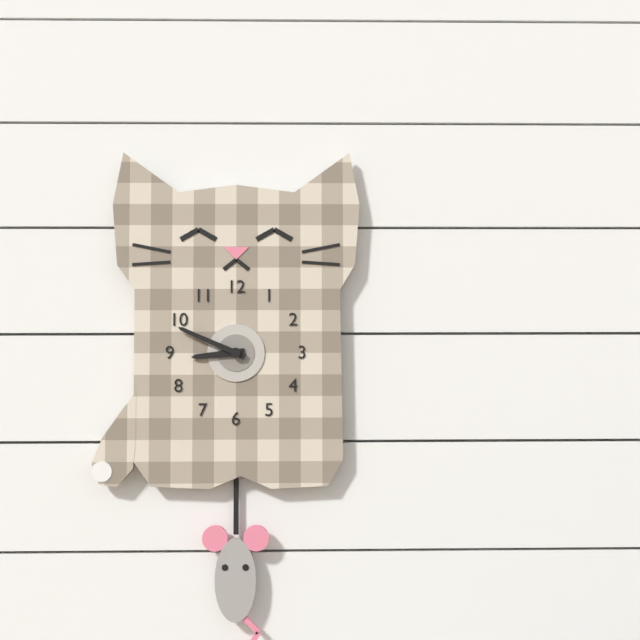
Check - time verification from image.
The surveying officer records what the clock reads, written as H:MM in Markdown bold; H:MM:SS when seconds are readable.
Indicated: **8:49**
